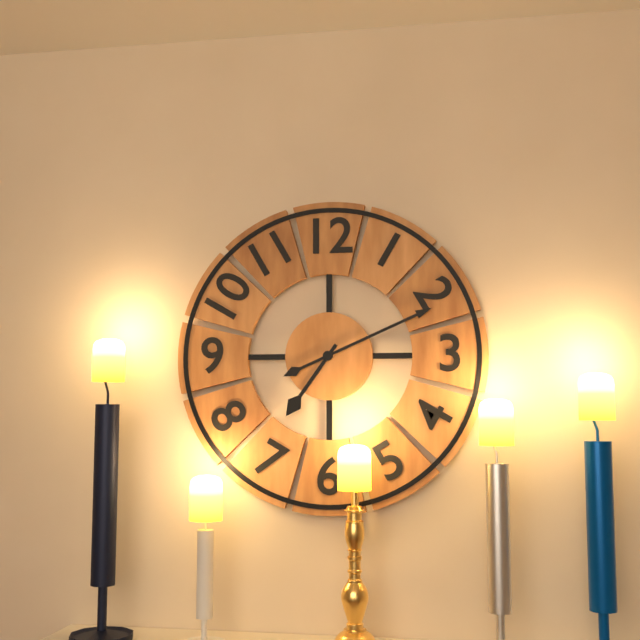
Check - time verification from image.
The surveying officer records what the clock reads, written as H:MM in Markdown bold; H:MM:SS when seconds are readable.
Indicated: **7:11**
